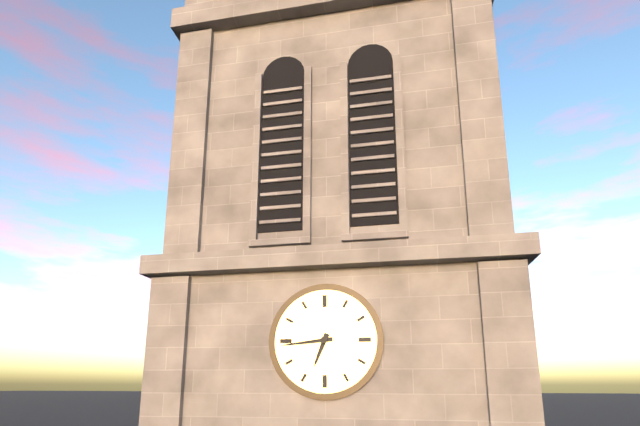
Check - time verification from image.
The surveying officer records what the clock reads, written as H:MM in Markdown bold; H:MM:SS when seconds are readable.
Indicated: **6:44**
